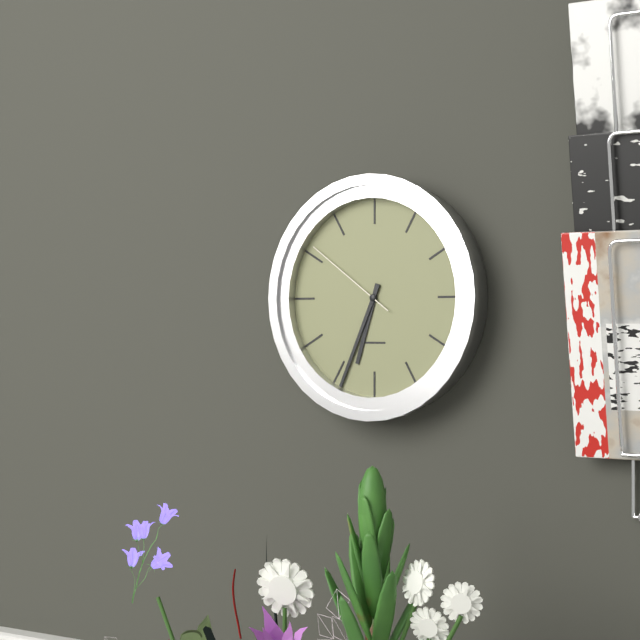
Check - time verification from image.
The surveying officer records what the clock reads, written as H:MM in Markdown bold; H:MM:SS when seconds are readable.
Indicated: **6:34:51**
